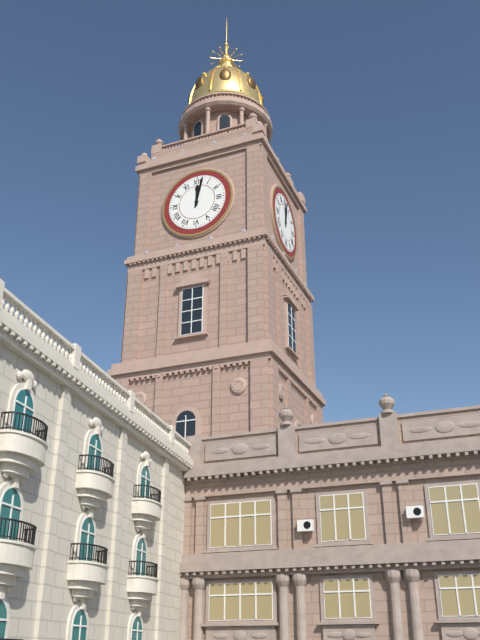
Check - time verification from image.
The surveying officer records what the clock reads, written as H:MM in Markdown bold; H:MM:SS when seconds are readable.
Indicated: **12:02**
